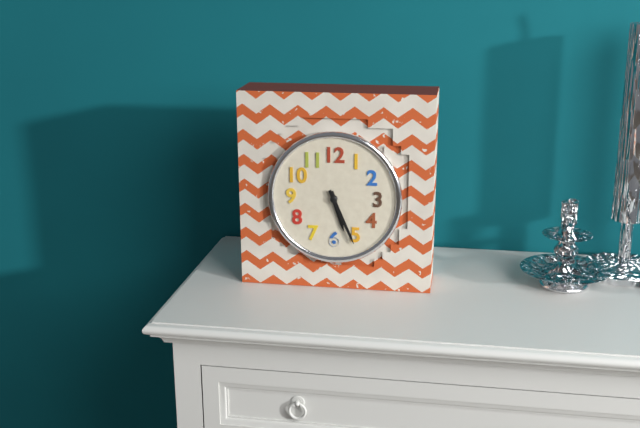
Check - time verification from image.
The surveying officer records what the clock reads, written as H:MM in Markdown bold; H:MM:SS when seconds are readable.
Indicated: **5:26**
